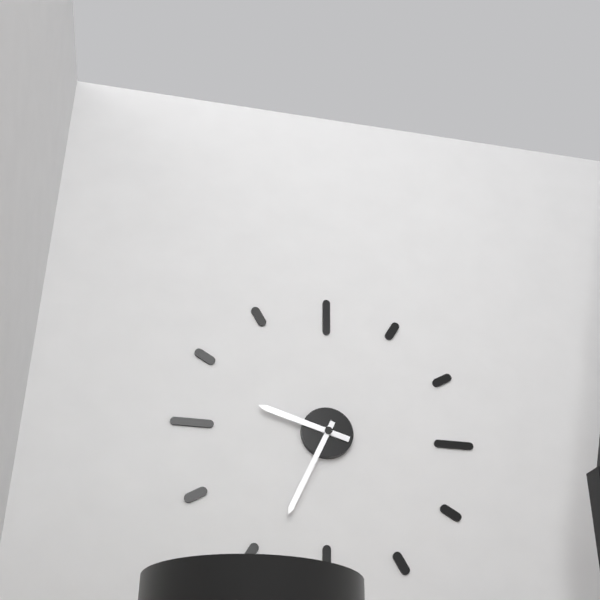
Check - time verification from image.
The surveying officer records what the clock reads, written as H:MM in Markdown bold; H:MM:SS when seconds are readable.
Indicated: **9:34**
